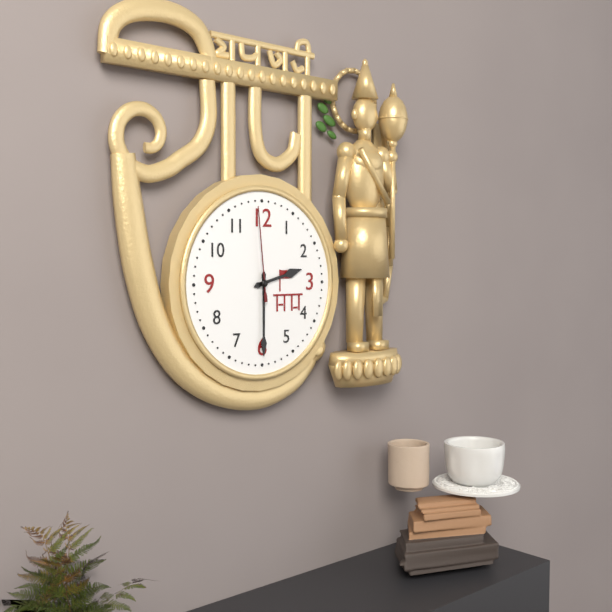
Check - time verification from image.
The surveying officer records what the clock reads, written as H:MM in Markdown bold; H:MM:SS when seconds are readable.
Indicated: **2:30:59**
